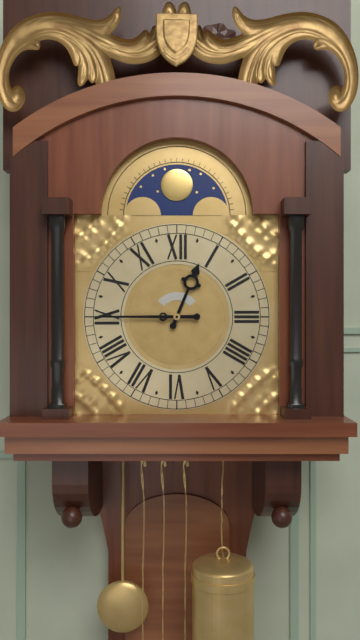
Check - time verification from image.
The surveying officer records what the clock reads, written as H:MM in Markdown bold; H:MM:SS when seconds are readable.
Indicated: **12:45**
